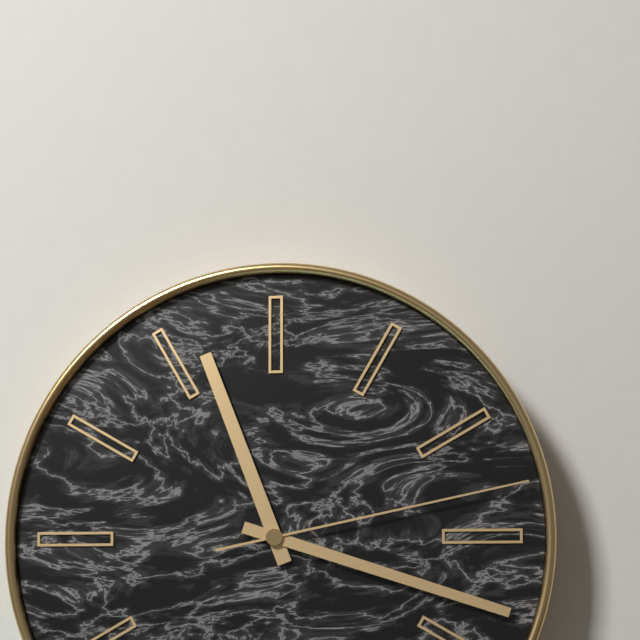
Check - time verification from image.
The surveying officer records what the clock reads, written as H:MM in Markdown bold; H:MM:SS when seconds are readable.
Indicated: **11:18:13**
